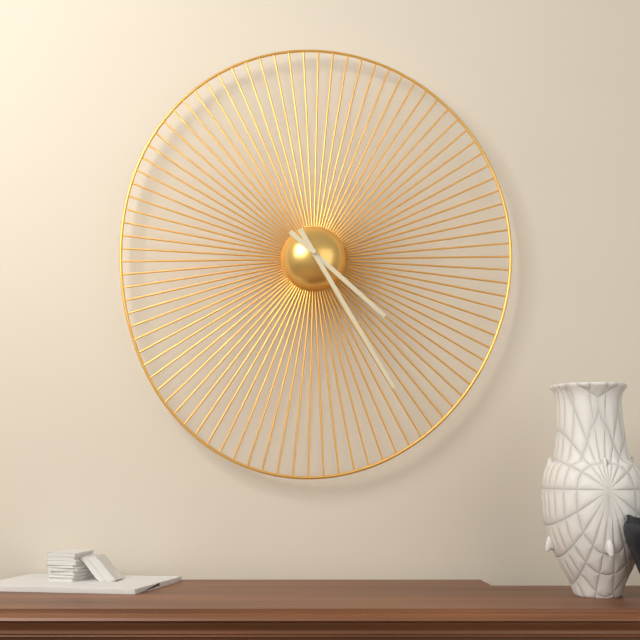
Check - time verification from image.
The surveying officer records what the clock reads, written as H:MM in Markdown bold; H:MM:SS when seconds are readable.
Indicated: **4:25**
